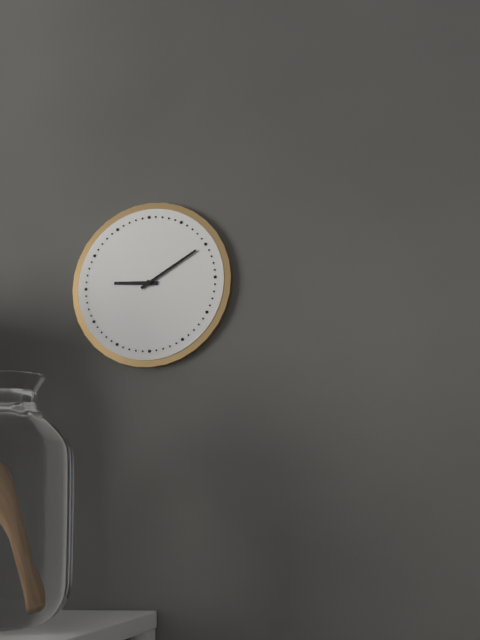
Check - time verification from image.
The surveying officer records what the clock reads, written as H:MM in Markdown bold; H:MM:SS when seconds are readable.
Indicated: **9:10**
